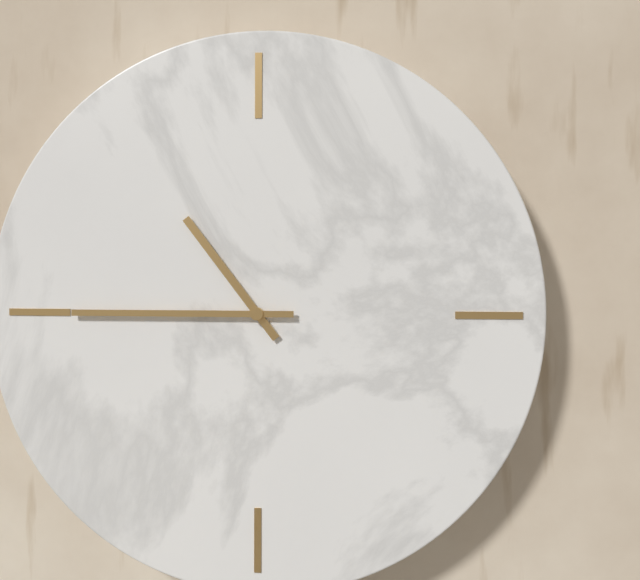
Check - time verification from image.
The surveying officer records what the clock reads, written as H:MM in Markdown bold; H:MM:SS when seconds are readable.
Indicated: **10:45**
